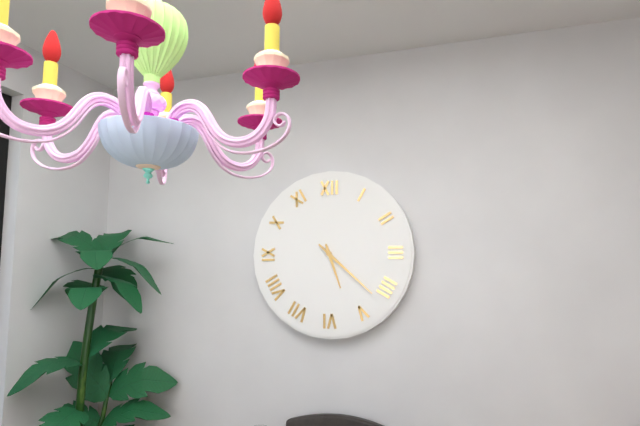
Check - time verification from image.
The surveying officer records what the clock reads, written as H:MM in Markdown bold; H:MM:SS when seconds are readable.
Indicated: **5:22**
